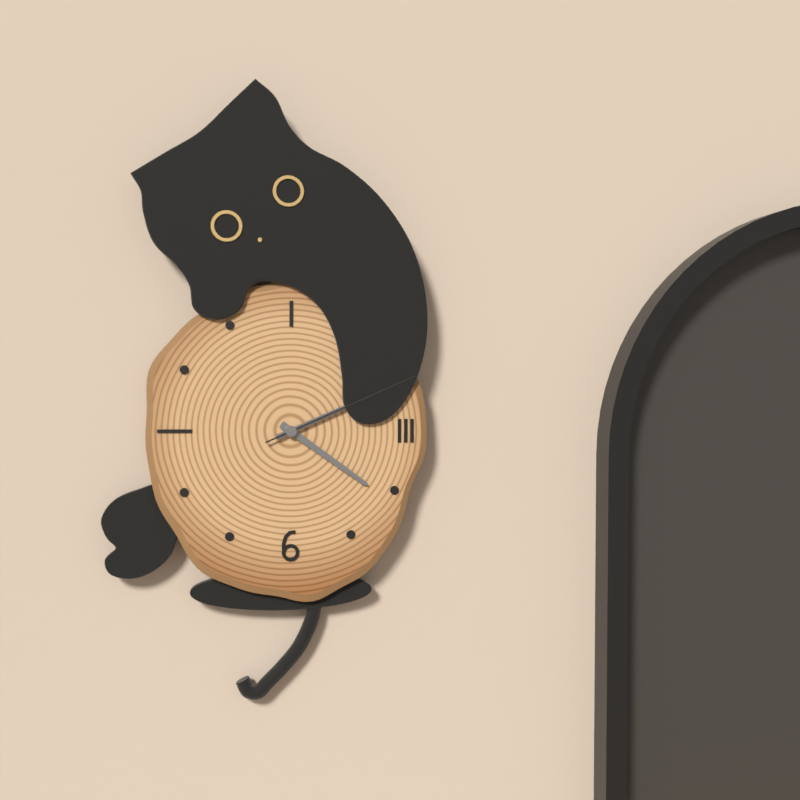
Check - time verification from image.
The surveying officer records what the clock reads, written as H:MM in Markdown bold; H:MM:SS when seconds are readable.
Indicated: **4:11:11**
